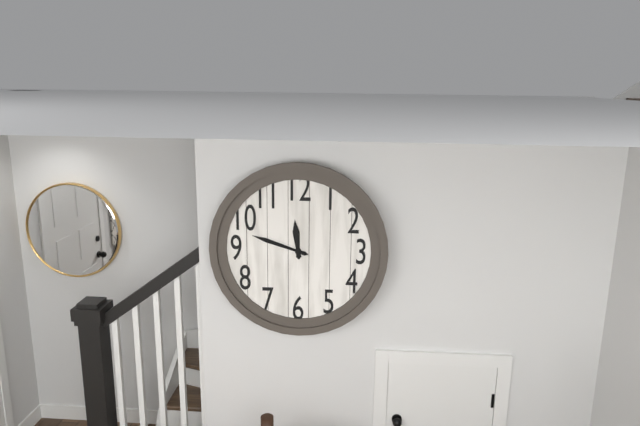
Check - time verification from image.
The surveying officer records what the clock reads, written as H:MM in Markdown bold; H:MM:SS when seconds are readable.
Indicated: **11:48**
